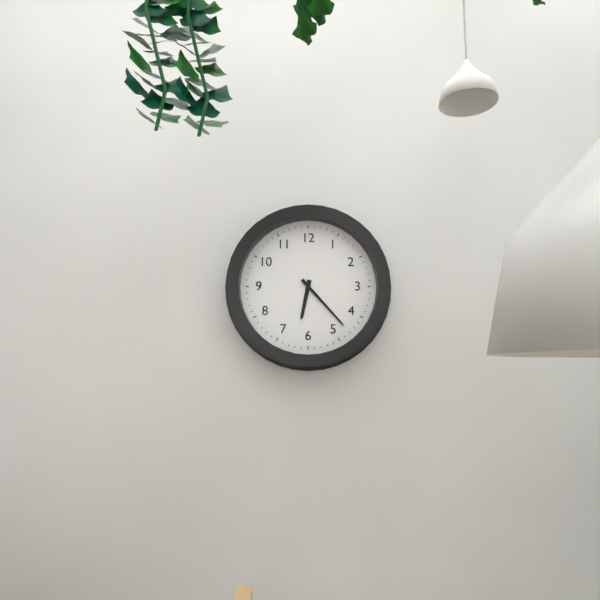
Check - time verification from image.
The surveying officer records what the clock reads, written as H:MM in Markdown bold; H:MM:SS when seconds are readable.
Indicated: **6:23**
